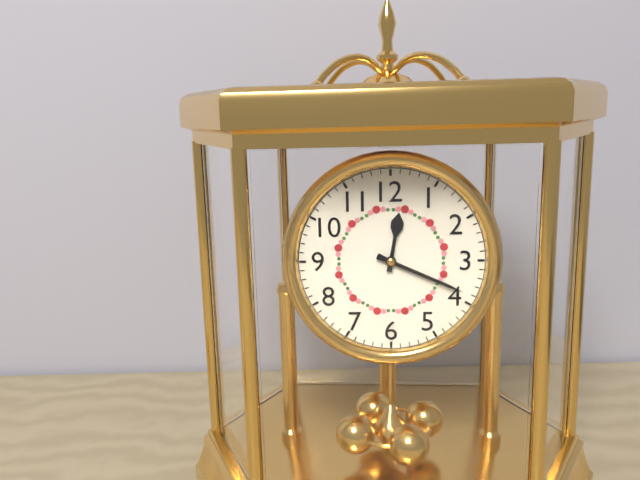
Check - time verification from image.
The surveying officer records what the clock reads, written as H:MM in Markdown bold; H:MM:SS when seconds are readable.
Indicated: **12:19**
